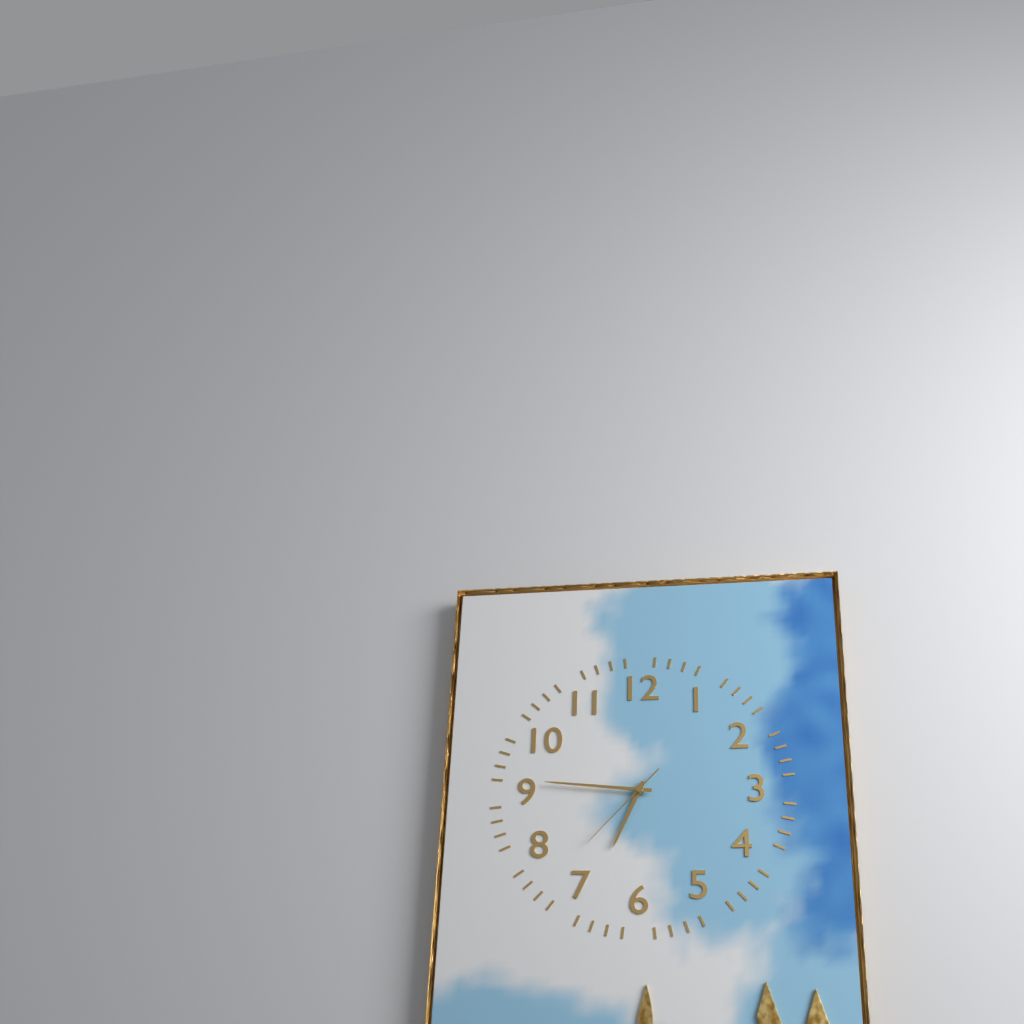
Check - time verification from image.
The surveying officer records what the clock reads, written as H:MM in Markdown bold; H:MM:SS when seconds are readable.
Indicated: **6:46:37**
